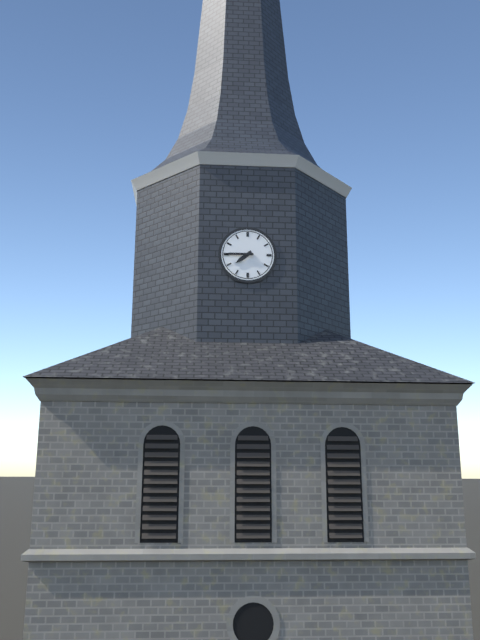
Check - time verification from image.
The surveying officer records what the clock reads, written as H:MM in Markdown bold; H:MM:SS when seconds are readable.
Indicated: **7:45**
